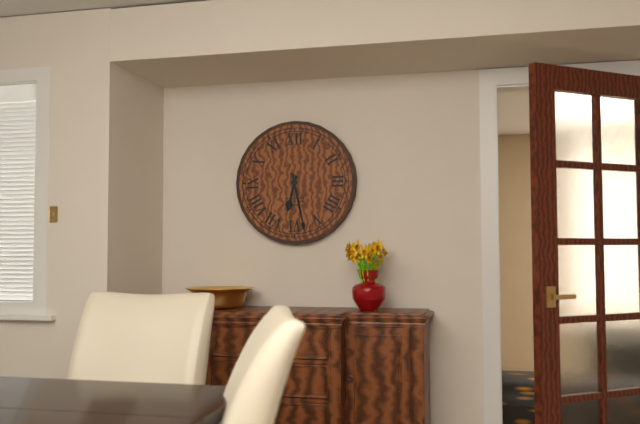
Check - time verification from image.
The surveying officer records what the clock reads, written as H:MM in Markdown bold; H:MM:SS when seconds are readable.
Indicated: **6:28**
